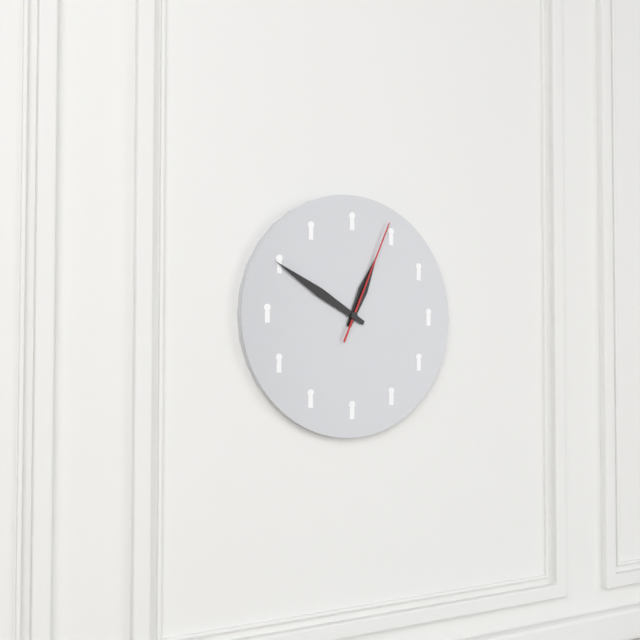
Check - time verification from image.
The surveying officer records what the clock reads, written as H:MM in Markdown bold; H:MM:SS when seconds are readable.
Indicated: **12:50:04**
